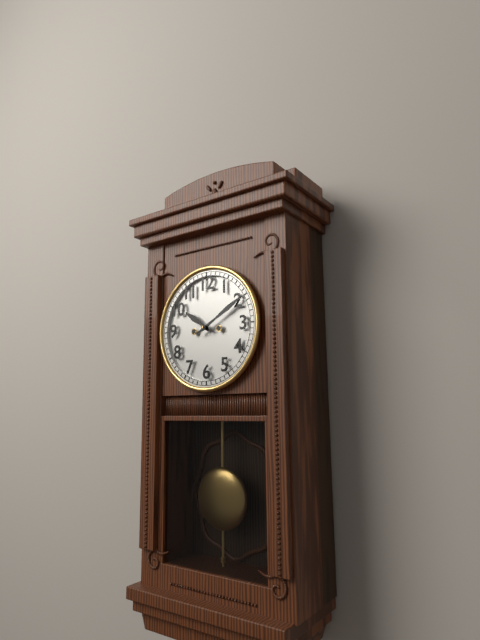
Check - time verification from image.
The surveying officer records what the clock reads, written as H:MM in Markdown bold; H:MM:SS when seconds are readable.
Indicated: **10:10**
